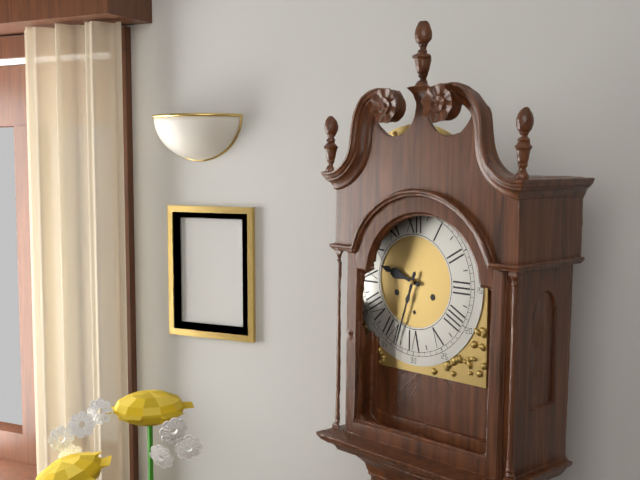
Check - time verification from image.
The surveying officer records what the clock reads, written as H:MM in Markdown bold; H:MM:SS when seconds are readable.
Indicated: **9:33**
